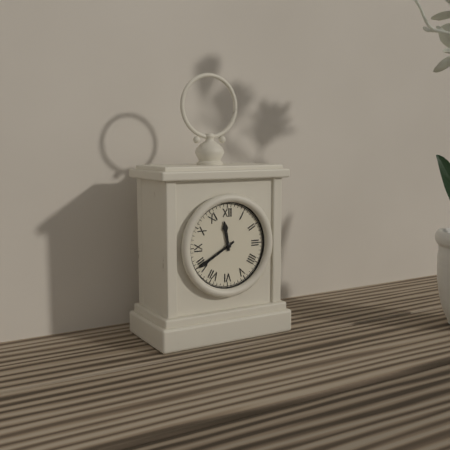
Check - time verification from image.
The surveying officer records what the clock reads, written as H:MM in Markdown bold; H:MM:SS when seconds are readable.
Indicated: **11:40**
